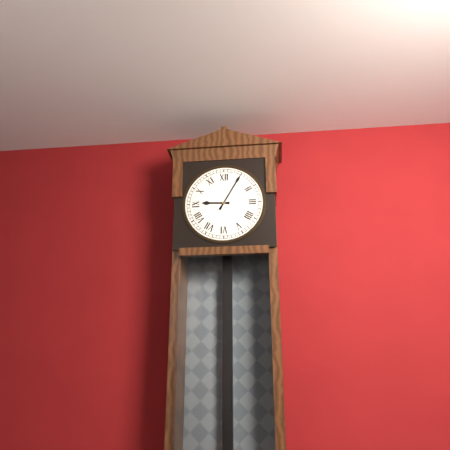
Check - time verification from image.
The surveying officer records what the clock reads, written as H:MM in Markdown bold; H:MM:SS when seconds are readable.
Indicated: **9:05**
